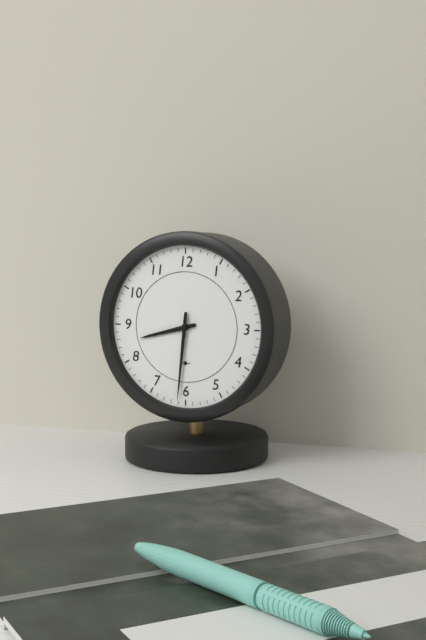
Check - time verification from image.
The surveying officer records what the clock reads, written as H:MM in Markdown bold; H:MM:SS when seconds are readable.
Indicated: **8:31**
